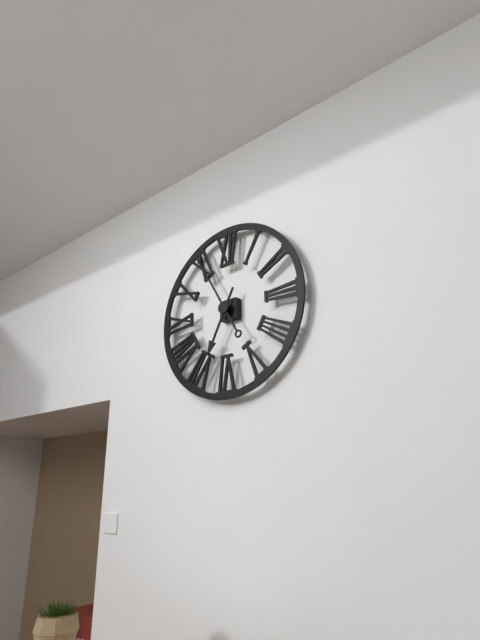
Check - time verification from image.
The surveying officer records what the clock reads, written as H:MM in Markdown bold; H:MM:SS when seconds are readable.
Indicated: **6:55**
